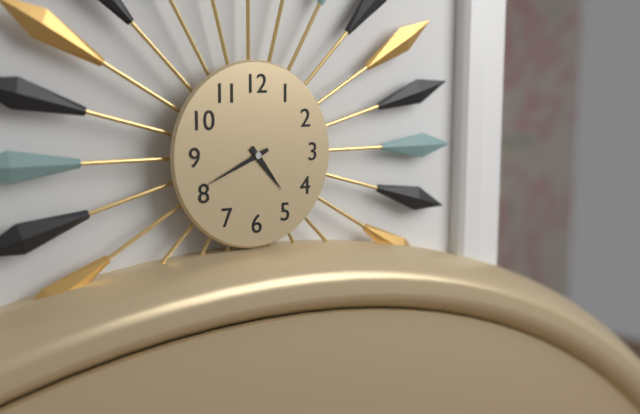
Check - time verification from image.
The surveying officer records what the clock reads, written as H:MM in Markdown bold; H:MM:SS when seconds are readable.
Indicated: **4:41**
